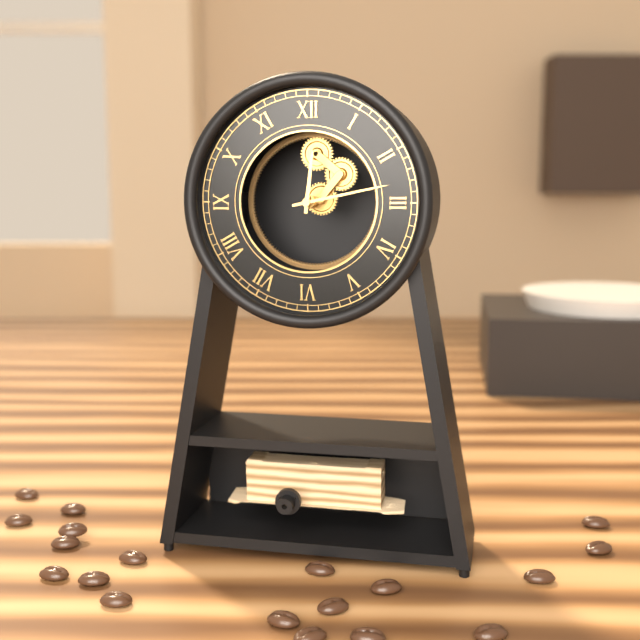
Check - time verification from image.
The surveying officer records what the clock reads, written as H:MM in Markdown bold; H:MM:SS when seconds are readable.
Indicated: **12:13**
